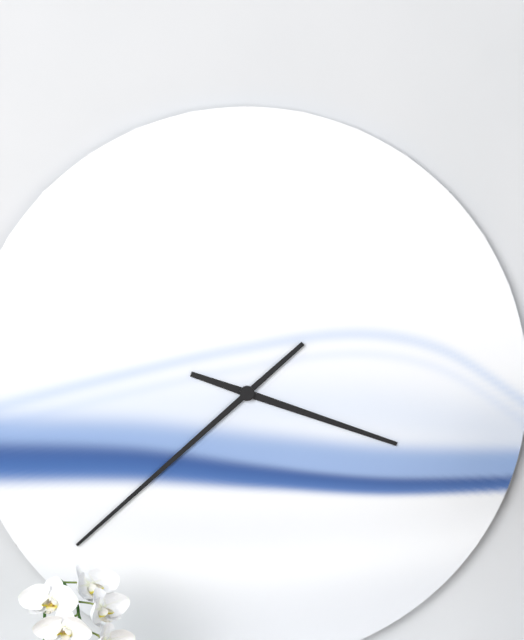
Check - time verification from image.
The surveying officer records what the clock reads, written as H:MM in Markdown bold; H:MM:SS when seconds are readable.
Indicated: **3:38**
